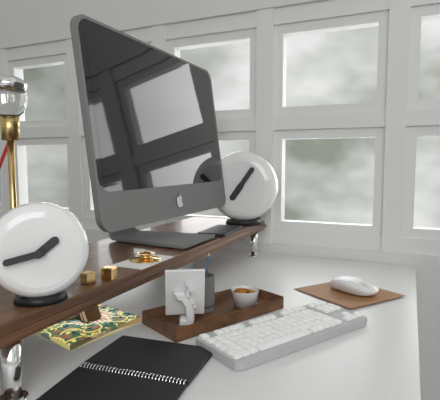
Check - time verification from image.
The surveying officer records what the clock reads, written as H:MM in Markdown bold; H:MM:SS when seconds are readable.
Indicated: **1:43**
